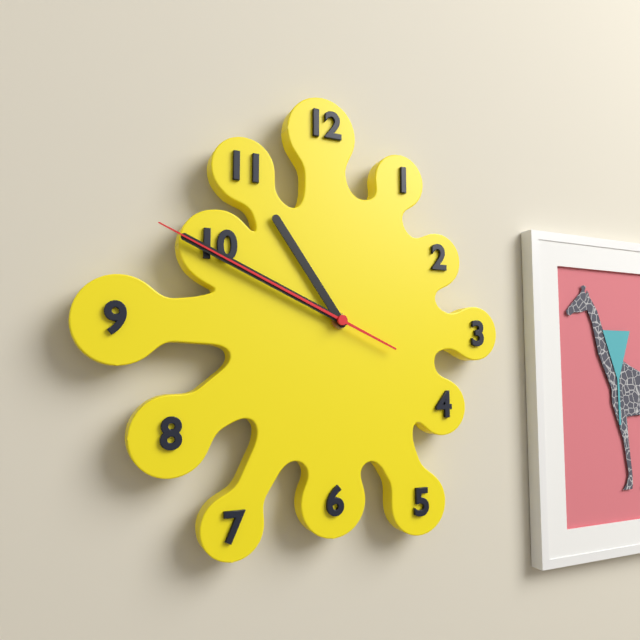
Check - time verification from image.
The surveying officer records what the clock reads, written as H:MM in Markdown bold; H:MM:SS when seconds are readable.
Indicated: **10:49:49**
